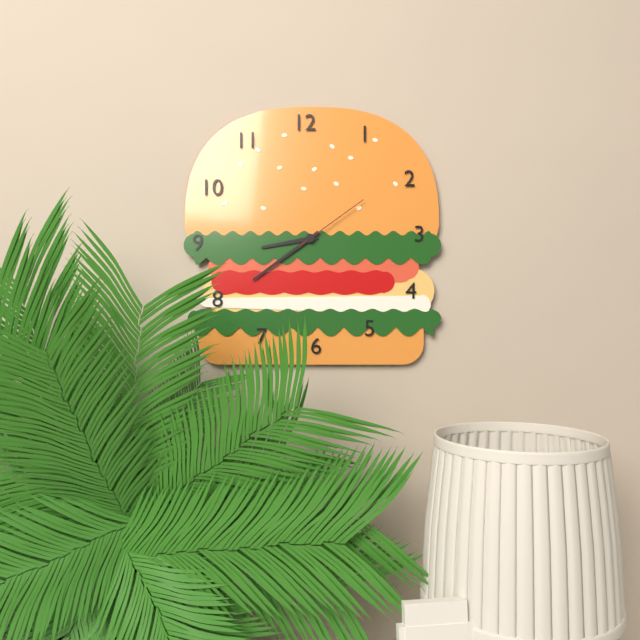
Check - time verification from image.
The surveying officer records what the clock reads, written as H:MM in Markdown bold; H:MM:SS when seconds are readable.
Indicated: **8:39:09**
